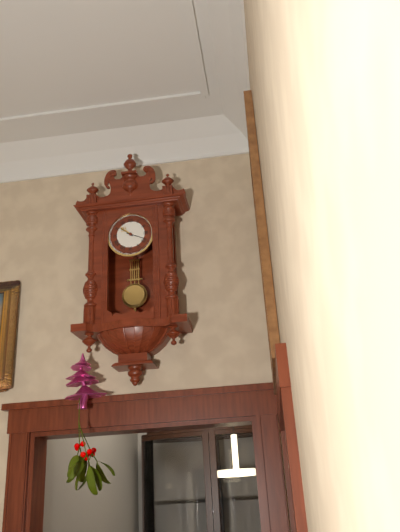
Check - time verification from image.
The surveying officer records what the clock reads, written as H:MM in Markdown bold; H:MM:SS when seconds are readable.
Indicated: **10:19**
